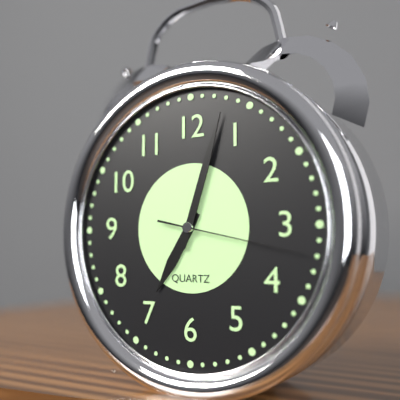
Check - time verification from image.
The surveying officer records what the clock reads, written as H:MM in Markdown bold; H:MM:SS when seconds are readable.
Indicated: **7:03:17**
